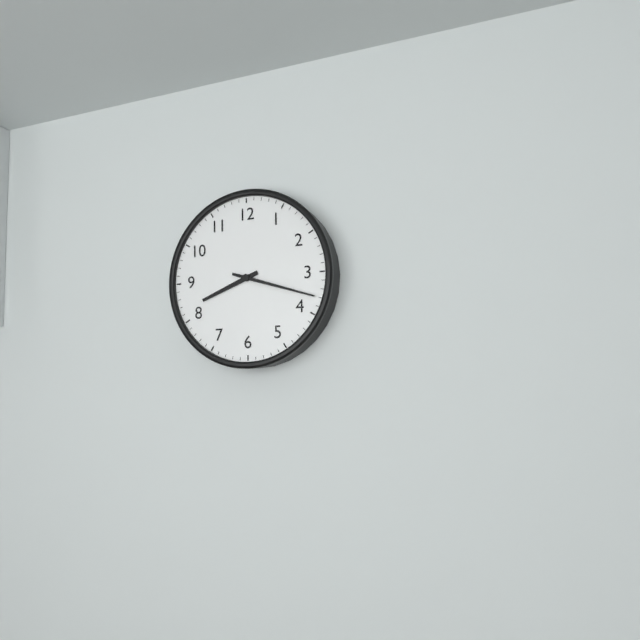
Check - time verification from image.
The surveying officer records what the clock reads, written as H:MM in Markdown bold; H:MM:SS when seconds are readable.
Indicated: **8:18**
